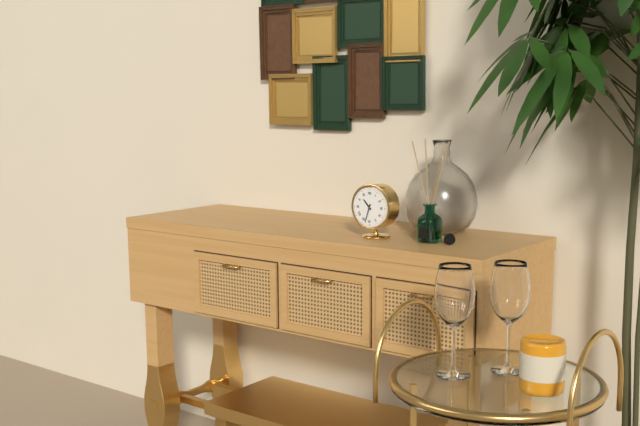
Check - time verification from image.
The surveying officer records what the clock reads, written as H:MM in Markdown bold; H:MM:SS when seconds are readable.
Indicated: **10:33**
